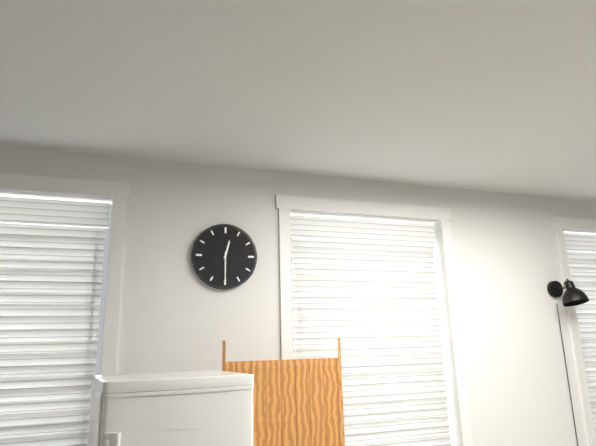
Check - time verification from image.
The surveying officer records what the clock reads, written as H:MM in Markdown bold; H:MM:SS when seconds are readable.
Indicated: **12:30**
